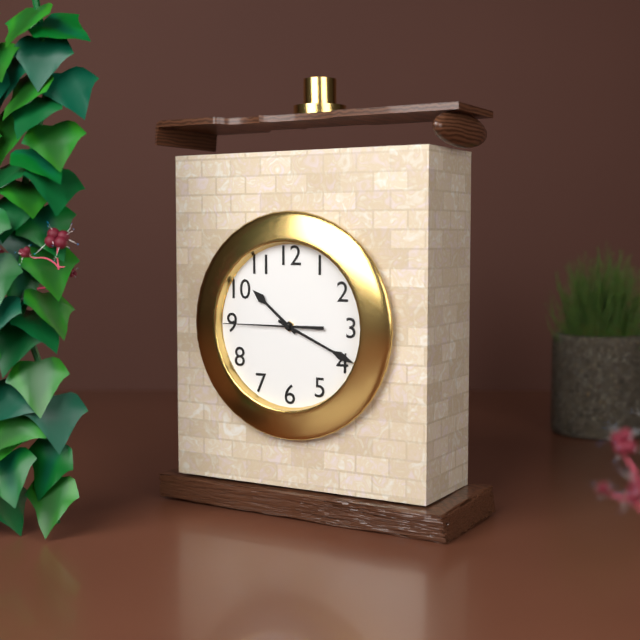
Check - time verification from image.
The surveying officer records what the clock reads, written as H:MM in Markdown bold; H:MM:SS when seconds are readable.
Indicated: **10:19:45**
